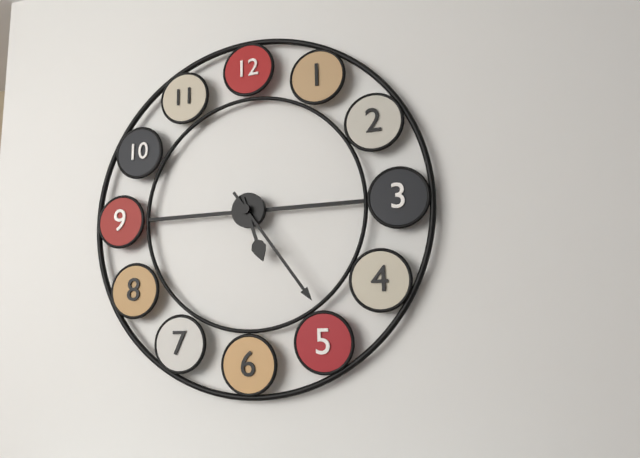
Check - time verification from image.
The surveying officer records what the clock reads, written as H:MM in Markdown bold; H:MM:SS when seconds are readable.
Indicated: **5:24**
